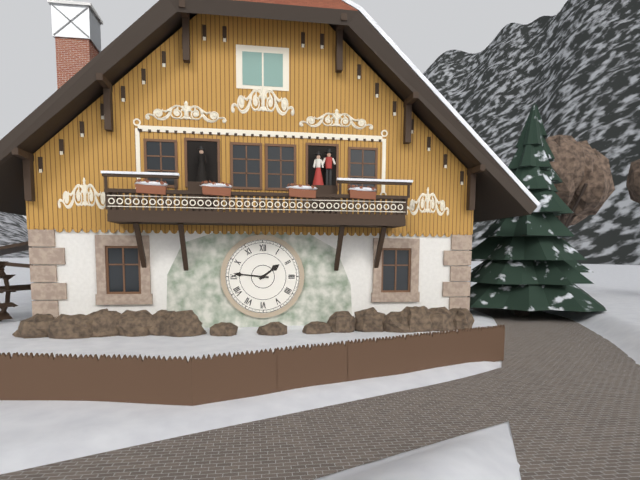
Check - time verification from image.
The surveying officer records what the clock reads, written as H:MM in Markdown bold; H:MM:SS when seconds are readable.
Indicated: **1:46**
